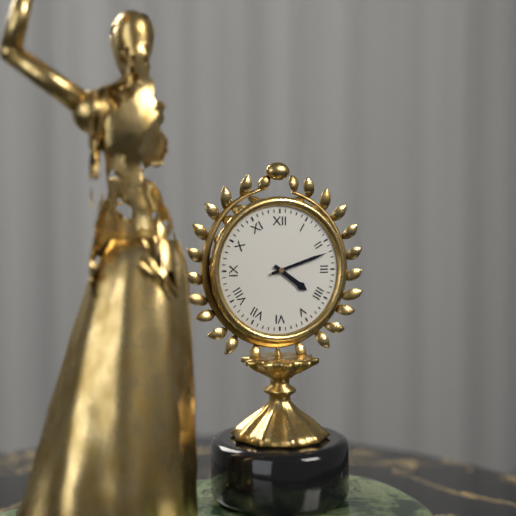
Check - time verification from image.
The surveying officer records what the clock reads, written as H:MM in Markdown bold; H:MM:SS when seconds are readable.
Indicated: **4:12**
